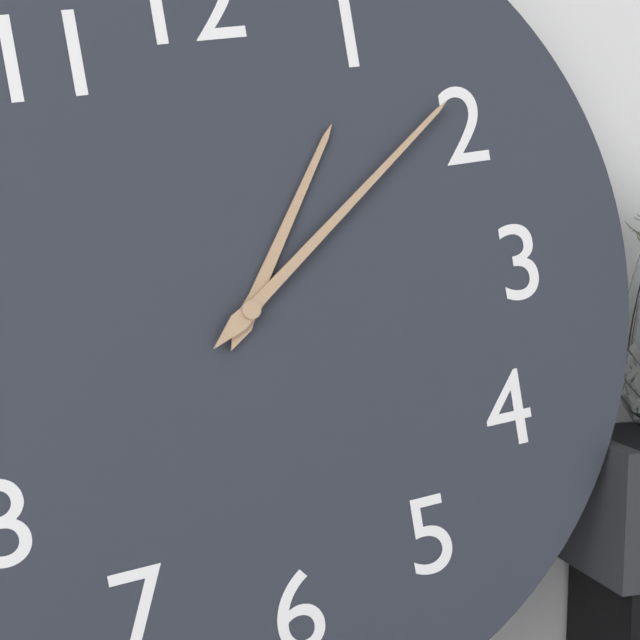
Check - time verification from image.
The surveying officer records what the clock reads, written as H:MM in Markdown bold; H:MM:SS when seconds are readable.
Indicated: **1:09**
